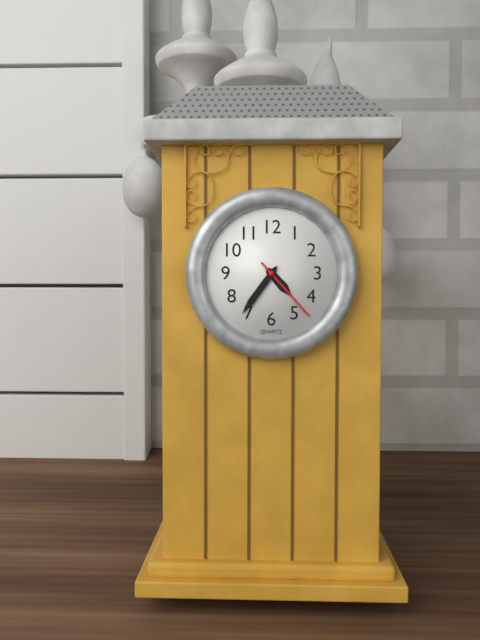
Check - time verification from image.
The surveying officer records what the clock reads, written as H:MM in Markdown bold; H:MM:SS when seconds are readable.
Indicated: **4:36:23**
